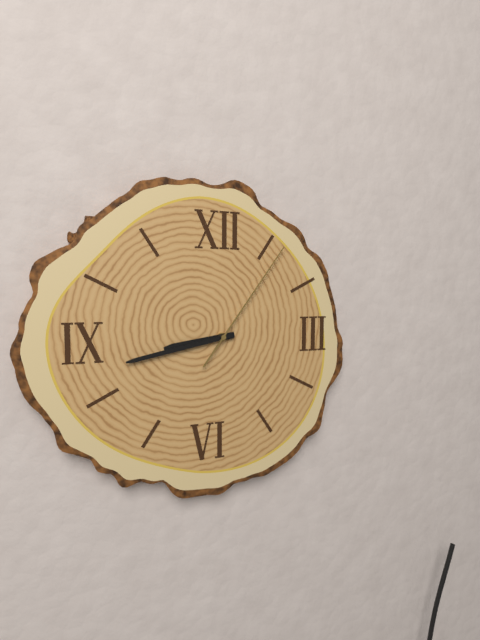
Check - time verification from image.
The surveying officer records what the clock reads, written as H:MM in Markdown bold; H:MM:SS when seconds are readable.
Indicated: **8:43:06**
